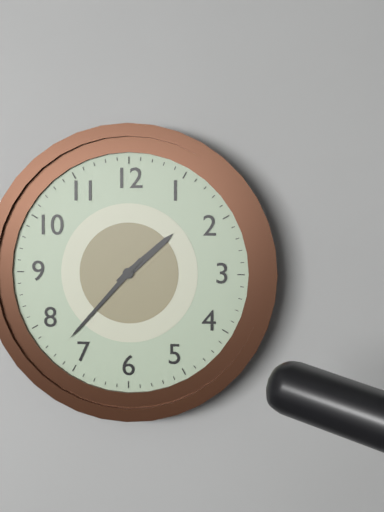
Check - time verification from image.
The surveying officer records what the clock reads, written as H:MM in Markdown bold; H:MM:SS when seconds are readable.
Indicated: **1:37**
